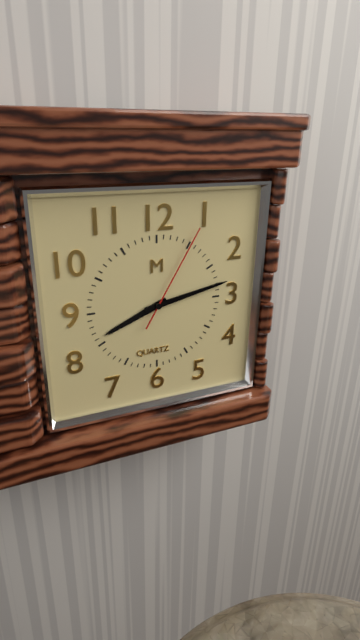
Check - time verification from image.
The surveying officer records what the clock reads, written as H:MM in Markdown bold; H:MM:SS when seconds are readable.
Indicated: **8:13:05**
